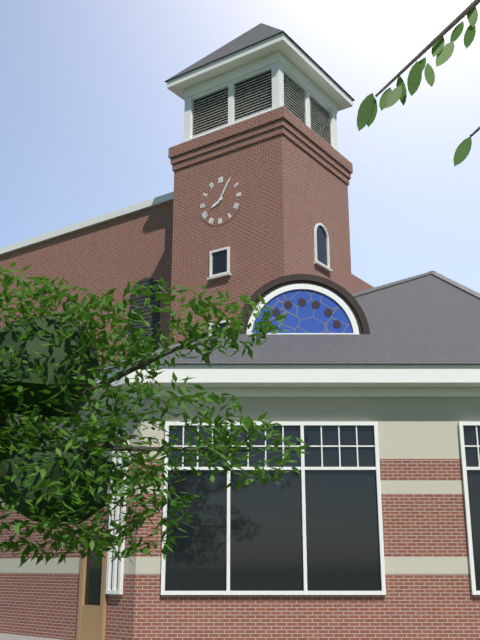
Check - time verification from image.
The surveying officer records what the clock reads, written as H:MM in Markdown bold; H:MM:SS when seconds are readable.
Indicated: **8:05**
